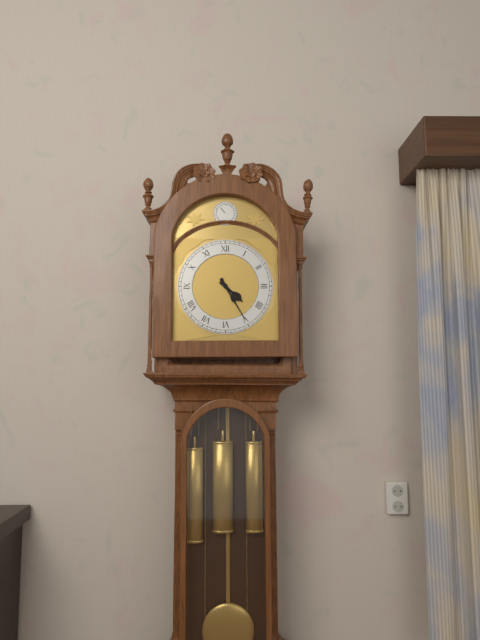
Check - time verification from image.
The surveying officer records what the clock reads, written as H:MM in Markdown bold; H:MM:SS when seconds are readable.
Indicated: **4:25**
